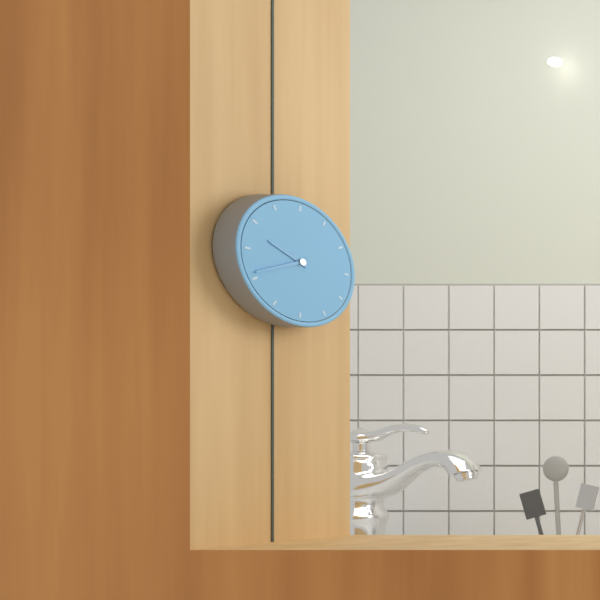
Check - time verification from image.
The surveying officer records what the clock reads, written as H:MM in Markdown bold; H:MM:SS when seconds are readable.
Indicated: **9:41**
